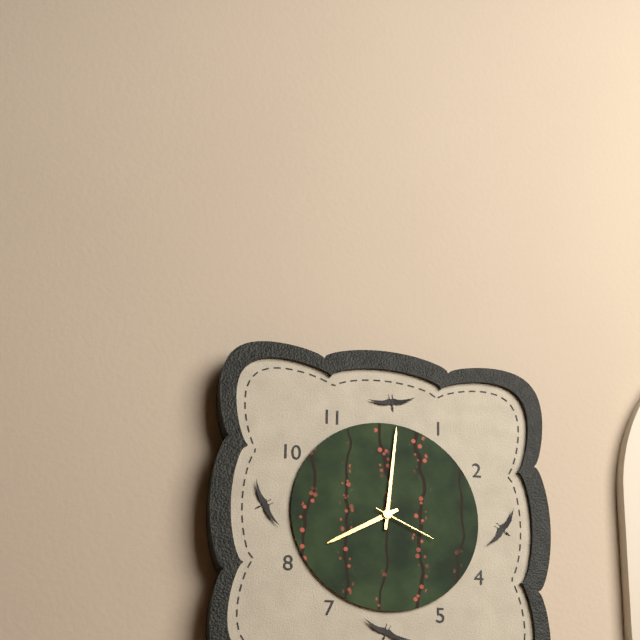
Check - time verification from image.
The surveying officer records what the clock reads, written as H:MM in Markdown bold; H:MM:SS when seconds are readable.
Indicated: **8:01:19**
